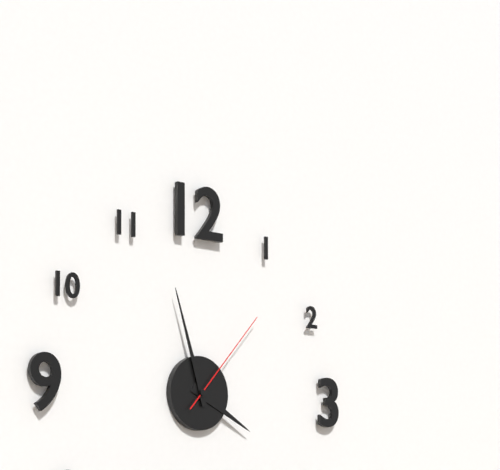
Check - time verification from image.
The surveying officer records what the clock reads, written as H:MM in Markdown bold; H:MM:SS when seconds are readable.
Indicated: **3:57:07**
